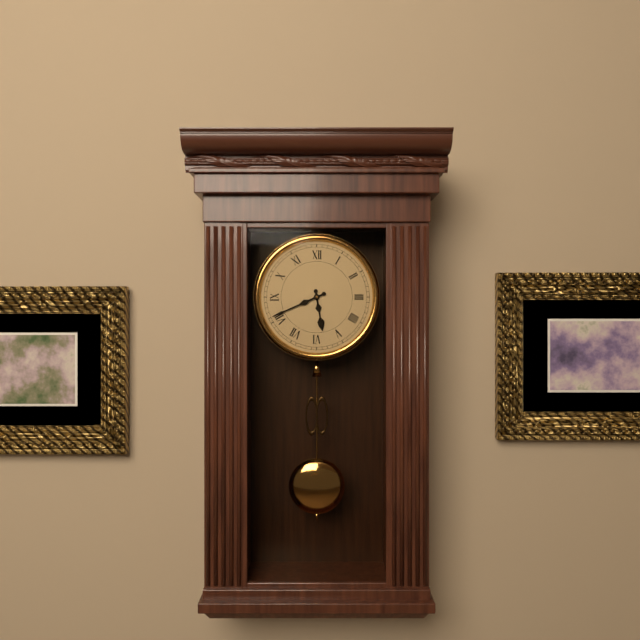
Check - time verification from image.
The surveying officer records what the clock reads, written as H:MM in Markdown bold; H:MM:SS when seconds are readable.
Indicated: **5:41**
